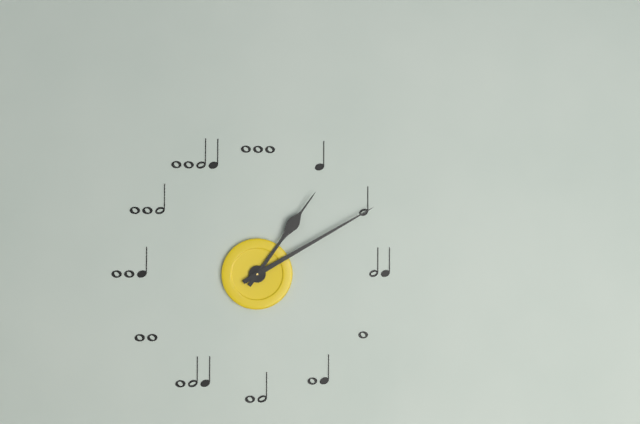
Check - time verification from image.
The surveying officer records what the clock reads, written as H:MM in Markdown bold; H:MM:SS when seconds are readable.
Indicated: **1:10**
